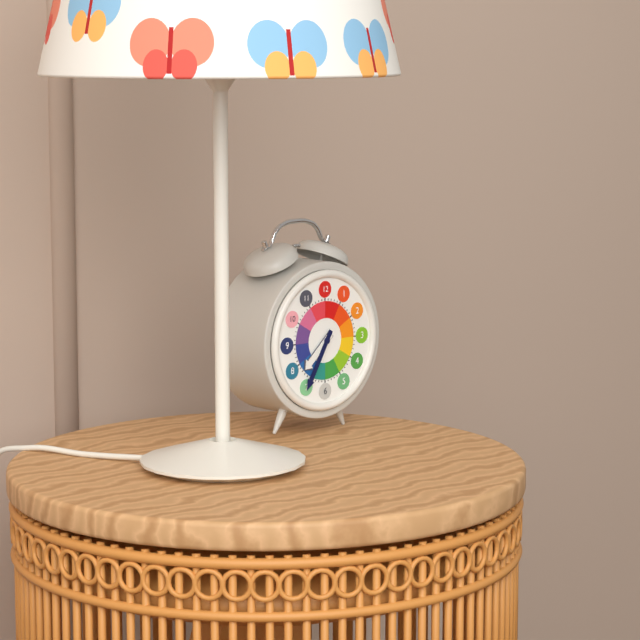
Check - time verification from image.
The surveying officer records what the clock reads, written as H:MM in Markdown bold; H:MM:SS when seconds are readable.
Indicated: **7:35**
